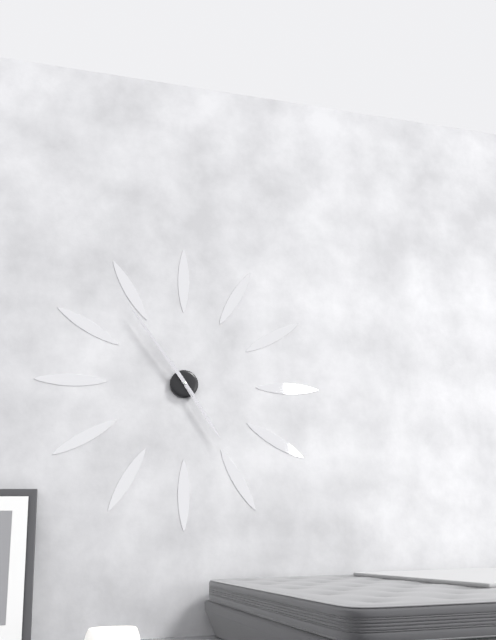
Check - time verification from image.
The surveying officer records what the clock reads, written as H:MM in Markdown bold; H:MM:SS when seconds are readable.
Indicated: **4:54**
